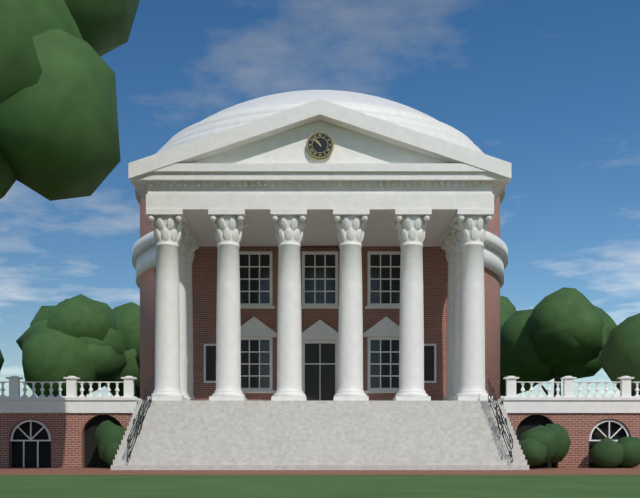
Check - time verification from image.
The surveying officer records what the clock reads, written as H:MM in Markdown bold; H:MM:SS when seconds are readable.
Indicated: **10:52**
